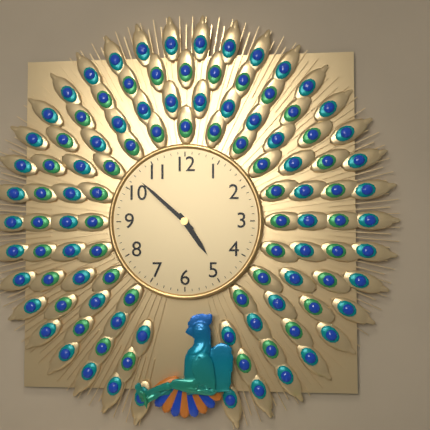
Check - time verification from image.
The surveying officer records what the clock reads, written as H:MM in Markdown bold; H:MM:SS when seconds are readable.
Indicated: **4:52**
